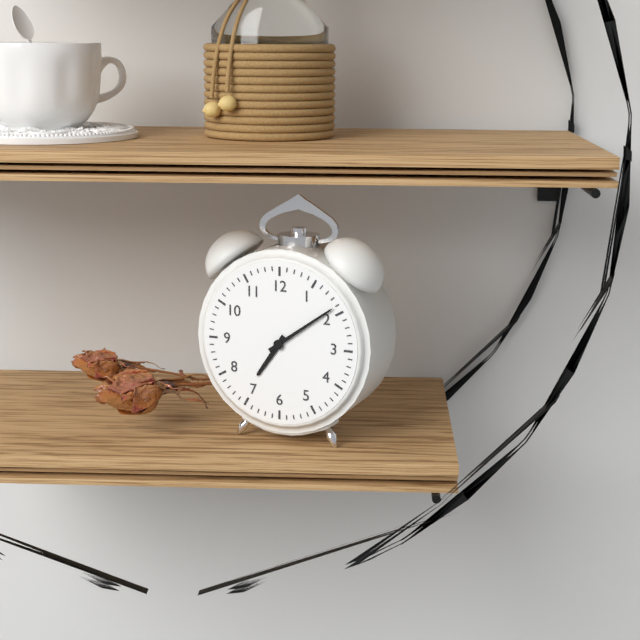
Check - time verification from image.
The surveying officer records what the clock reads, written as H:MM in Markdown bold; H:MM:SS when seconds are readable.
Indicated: **7:09**
